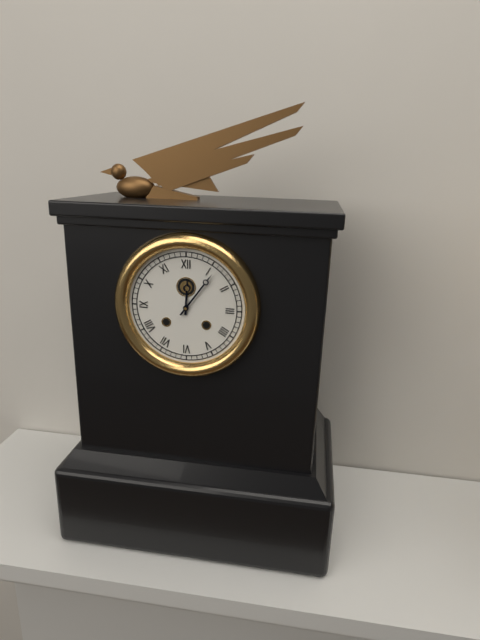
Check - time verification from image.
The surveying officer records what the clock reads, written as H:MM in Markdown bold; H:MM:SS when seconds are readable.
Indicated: **12:06**
